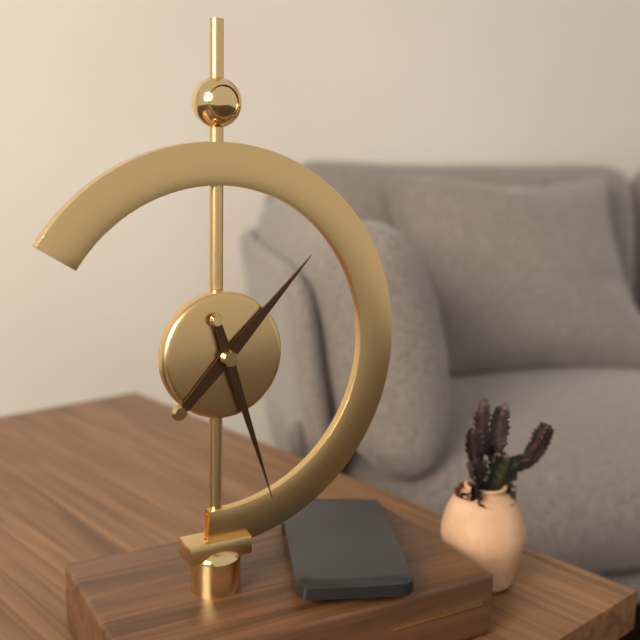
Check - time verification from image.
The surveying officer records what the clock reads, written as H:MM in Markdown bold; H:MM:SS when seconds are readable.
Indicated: **1:27**
